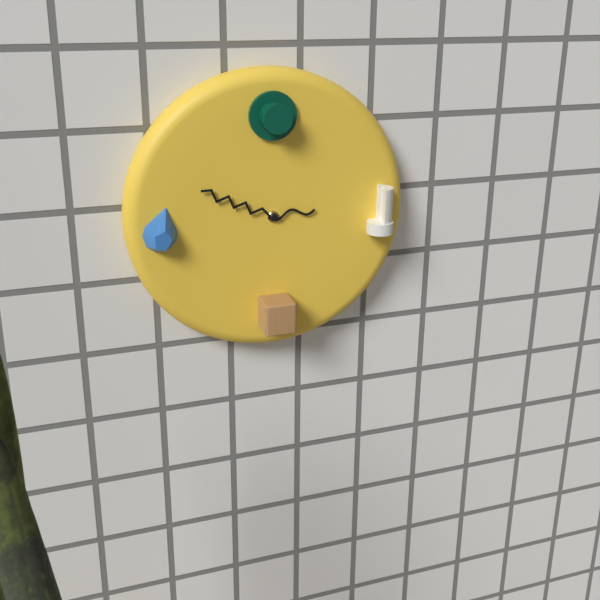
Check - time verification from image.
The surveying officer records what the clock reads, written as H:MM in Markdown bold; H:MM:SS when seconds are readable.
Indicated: **2:49**
